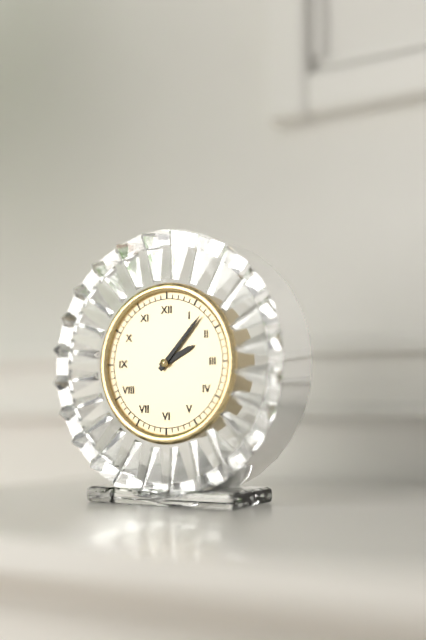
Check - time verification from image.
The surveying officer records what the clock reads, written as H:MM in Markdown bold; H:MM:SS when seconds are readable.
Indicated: **2:07**
